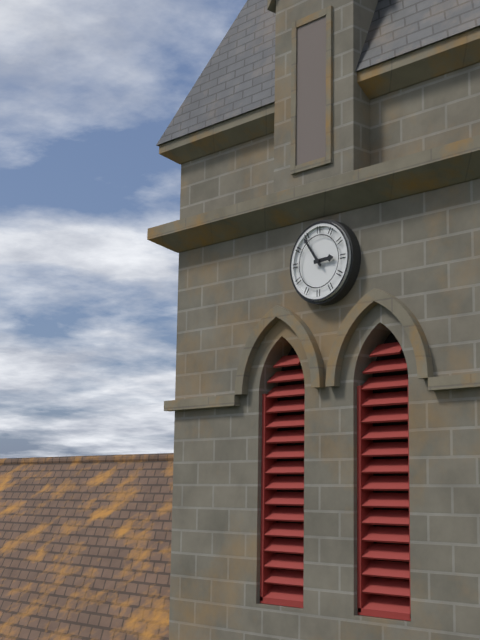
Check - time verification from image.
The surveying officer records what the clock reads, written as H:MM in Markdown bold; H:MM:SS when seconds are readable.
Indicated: **2:54**
